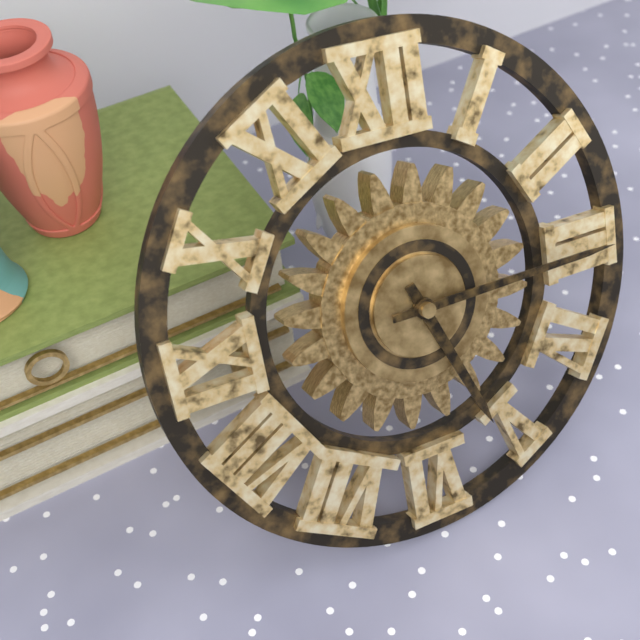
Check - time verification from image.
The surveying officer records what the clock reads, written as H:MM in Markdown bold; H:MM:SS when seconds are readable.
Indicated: **5:15**
